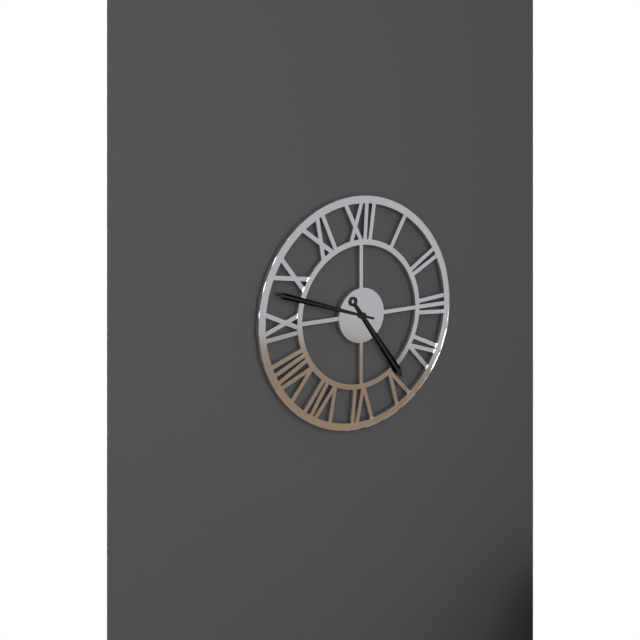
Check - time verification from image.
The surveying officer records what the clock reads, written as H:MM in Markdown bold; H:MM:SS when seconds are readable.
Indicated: **4:48**
